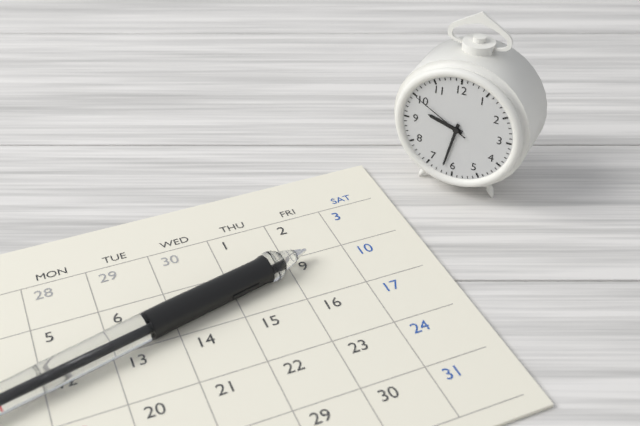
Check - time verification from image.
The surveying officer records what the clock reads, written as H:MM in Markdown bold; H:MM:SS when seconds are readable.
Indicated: **9:32:50**
